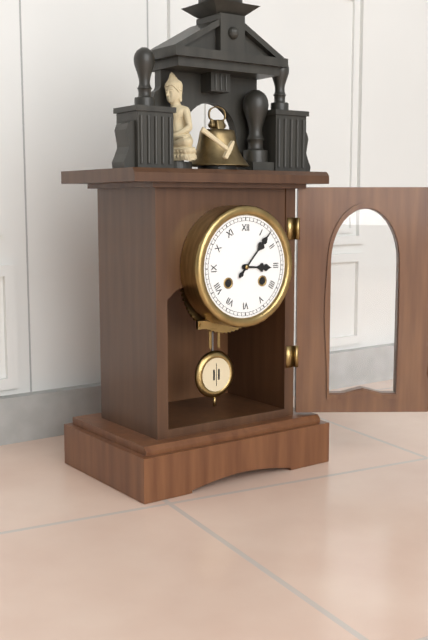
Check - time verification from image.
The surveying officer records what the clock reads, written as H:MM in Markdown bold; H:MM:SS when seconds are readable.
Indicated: **3:07**
